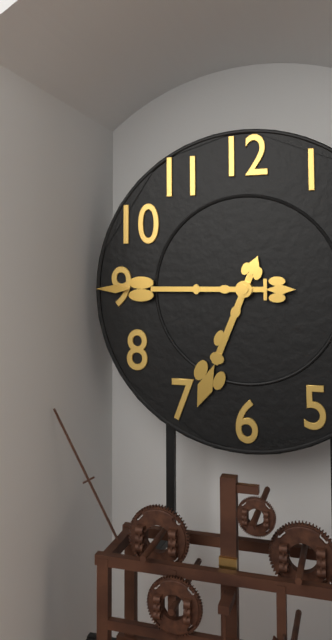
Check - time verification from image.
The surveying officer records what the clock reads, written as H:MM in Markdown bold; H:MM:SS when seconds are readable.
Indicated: **6:45**
